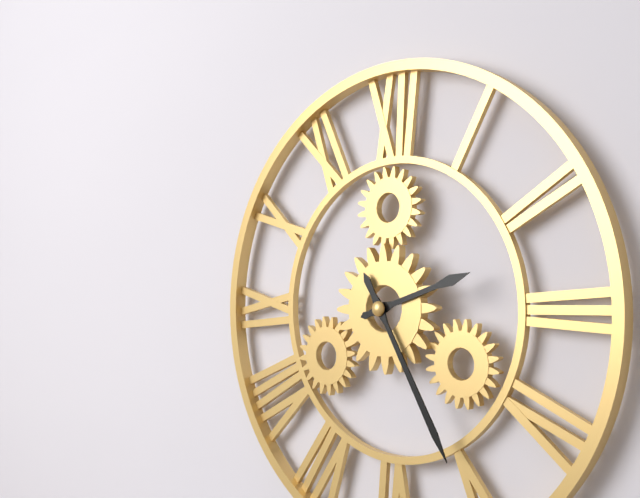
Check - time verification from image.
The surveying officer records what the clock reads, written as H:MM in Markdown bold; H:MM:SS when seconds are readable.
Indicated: **2:25**
